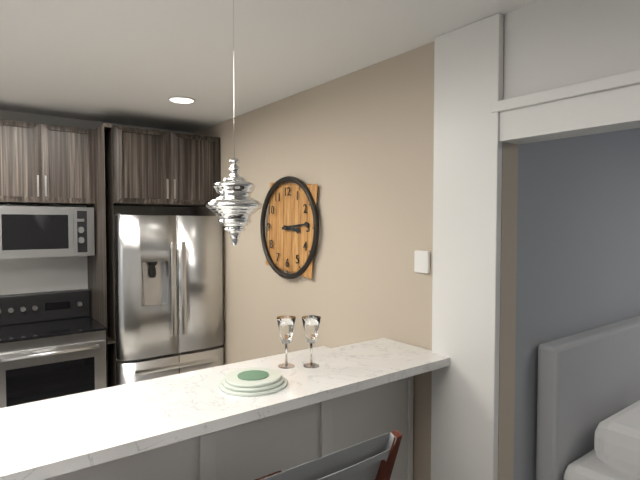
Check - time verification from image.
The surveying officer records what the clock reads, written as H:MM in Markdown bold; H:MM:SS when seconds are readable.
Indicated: **3:14**
